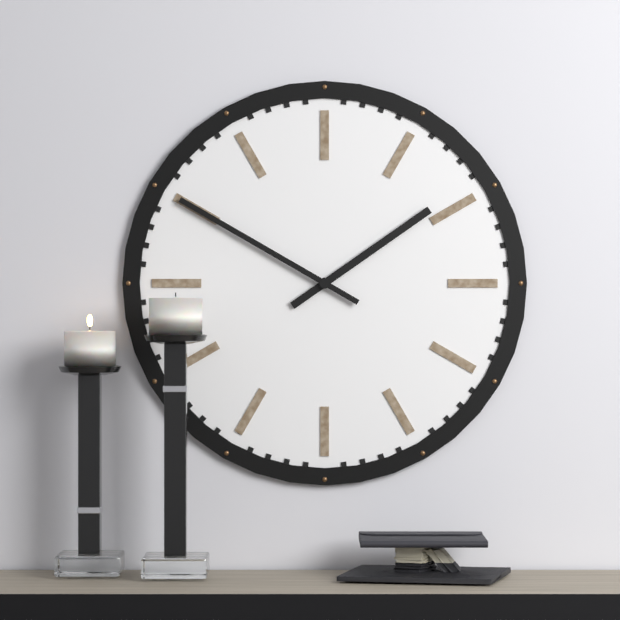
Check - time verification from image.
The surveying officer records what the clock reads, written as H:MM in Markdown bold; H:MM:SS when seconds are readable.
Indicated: **1:50**
